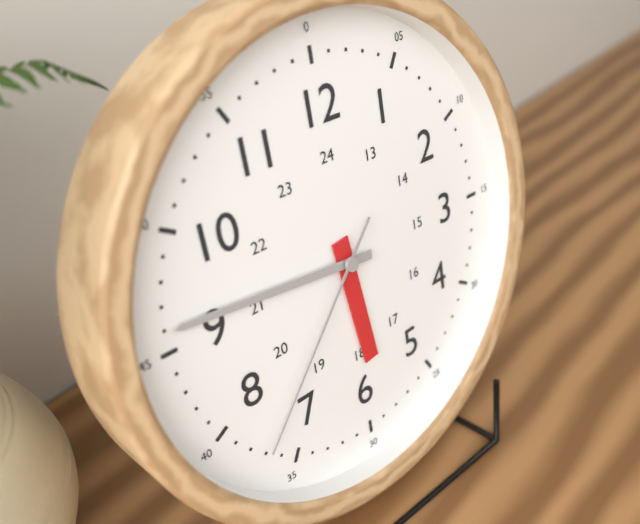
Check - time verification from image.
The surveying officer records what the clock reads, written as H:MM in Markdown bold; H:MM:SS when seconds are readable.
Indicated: **5:46:37**
